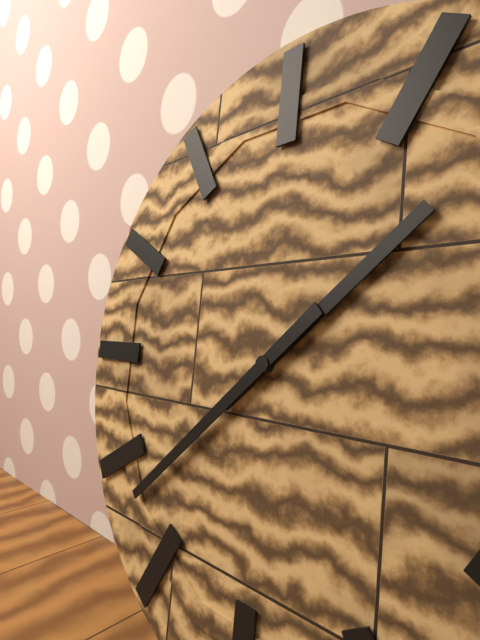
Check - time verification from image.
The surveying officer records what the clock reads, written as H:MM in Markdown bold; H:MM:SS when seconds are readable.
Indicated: **1:38**
